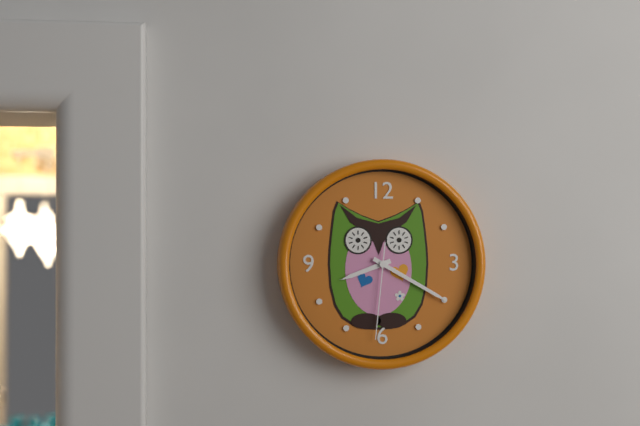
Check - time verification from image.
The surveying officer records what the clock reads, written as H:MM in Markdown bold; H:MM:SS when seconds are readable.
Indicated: **8:20:31**
